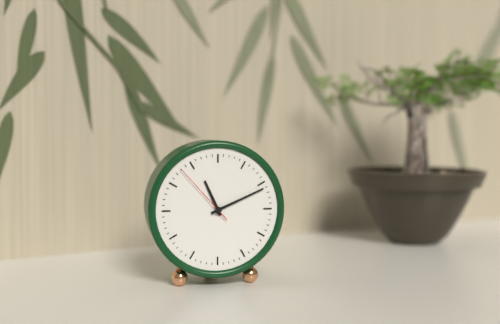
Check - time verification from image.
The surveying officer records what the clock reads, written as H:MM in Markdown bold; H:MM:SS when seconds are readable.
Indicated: **11:11:53**
